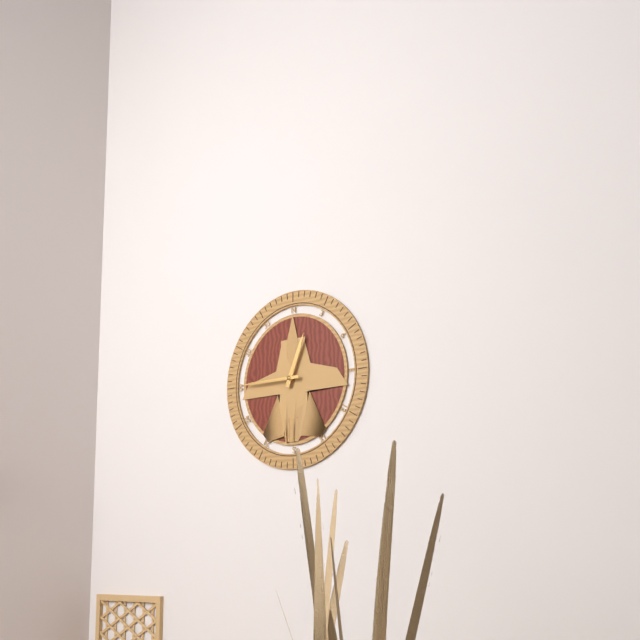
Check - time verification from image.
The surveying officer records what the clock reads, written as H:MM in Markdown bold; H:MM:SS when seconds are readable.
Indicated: **12:45**
